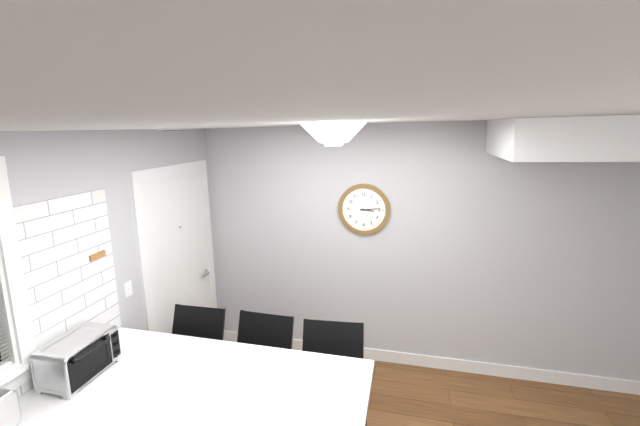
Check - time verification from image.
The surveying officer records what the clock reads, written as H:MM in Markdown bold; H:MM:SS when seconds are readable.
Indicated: **3:14**
